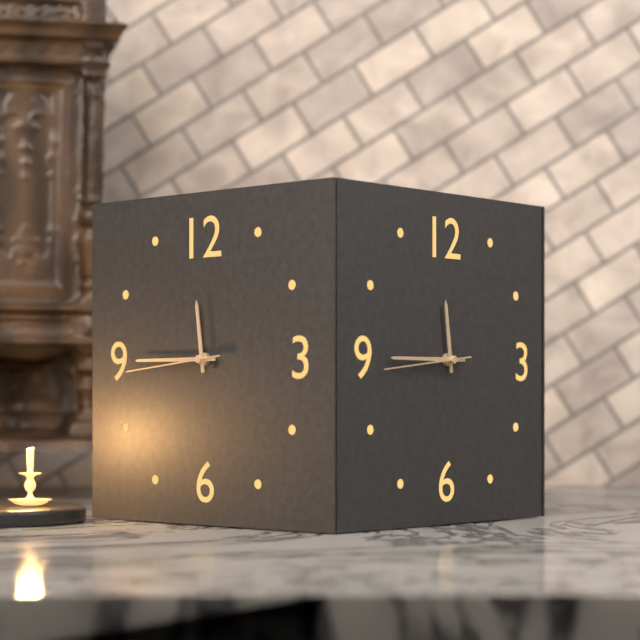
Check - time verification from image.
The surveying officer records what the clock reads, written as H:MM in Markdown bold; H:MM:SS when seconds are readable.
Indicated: **11:45:44**
